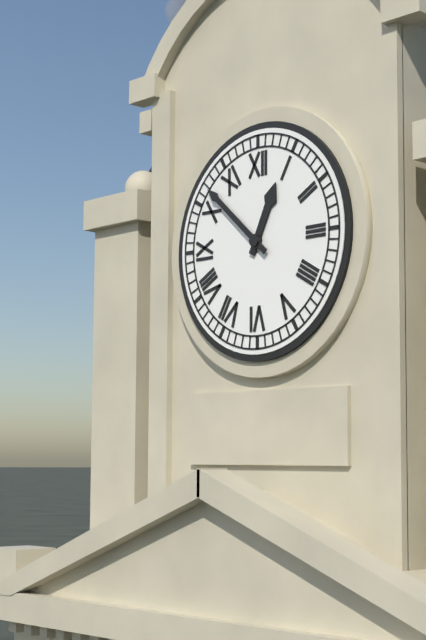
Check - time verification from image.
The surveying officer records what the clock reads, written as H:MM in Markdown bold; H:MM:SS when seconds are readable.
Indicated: **12:52**
